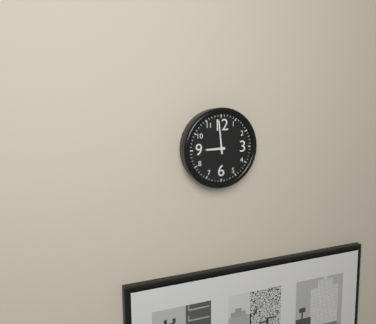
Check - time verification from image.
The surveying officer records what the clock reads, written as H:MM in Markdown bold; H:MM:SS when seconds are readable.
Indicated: **8:59**
